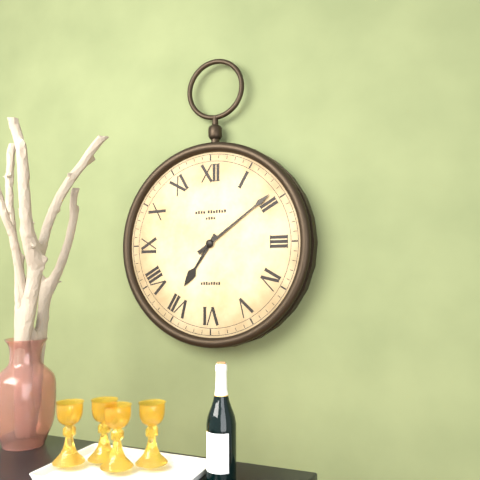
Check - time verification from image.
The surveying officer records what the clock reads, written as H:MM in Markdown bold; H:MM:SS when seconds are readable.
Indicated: **7:09**
